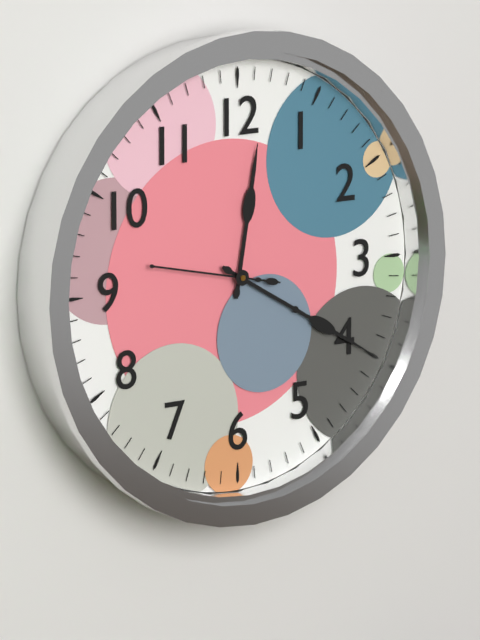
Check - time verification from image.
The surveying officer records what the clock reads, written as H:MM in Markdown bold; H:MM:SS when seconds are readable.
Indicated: **12:20:47**
